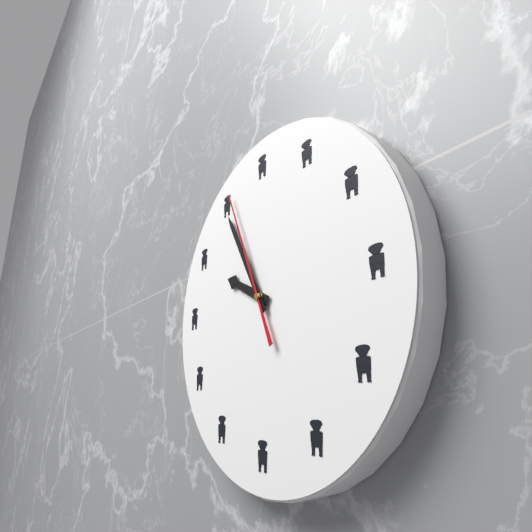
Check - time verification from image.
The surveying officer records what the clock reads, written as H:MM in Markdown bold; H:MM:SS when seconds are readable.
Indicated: **9:55:56**
